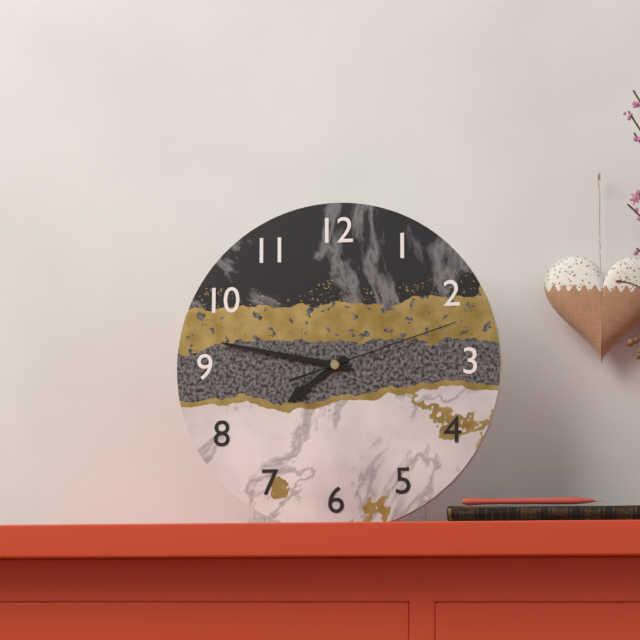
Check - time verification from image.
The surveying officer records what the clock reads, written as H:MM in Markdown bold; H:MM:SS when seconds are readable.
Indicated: **7:47:12**
